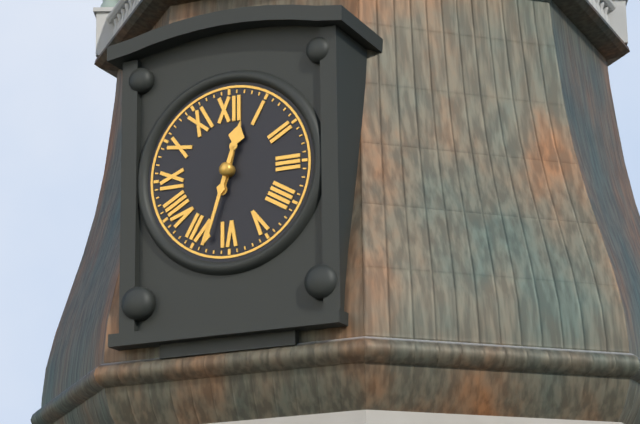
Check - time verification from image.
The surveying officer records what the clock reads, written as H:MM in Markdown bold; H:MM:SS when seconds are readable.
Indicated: **12:33**
